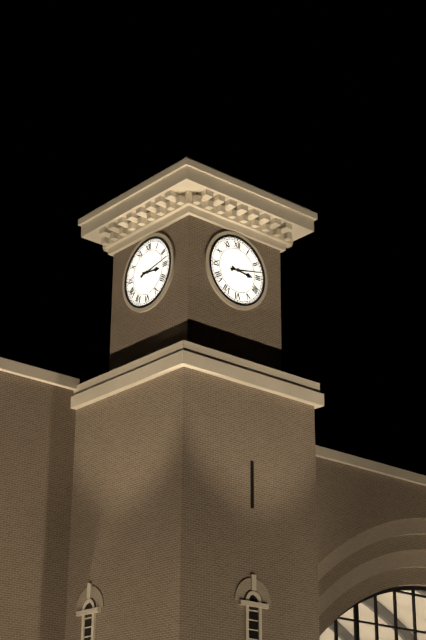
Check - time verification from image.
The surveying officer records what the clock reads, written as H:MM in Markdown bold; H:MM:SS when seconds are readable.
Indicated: **3:13**
